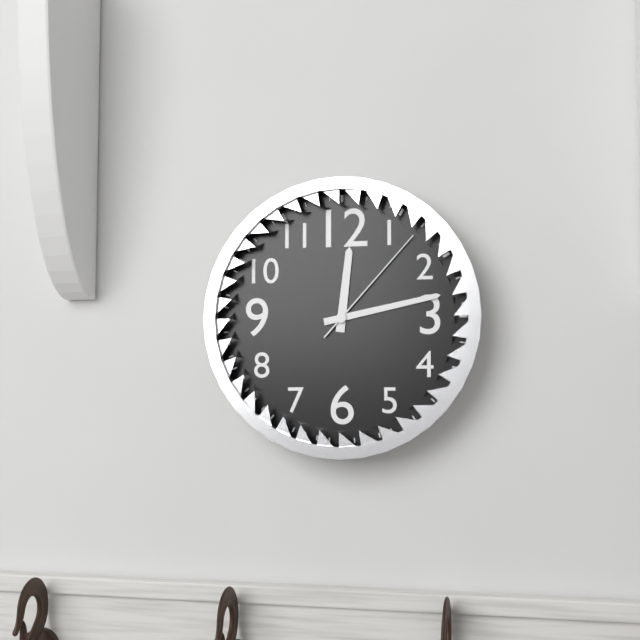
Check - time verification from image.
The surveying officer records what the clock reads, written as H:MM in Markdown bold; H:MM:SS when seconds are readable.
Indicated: **12:13:07**
